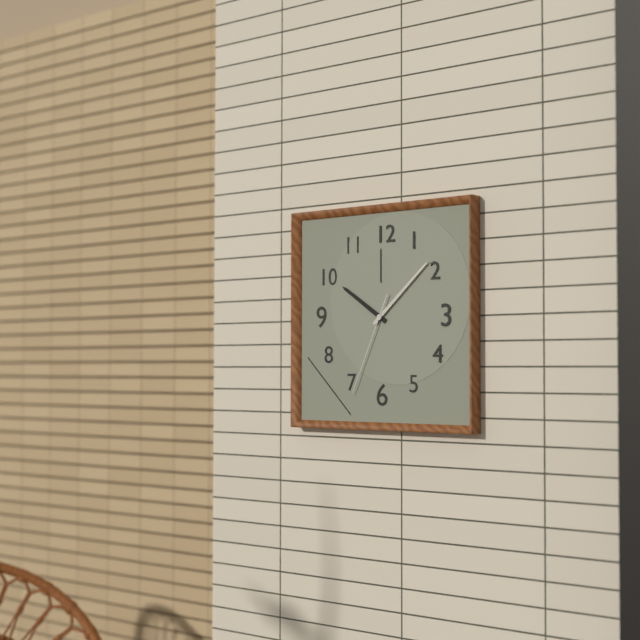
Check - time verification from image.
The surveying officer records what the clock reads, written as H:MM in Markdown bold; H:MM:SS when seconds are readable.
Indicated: **10:08:34**
